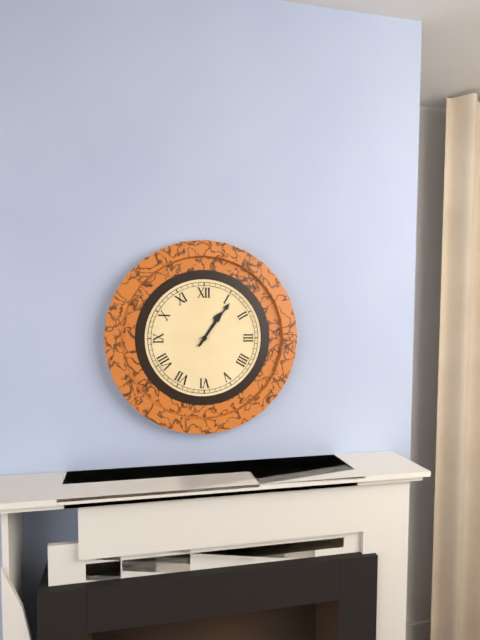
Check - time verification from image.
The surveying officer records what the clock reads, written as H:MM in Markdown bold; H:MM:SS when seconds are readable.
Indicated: **1:06**
